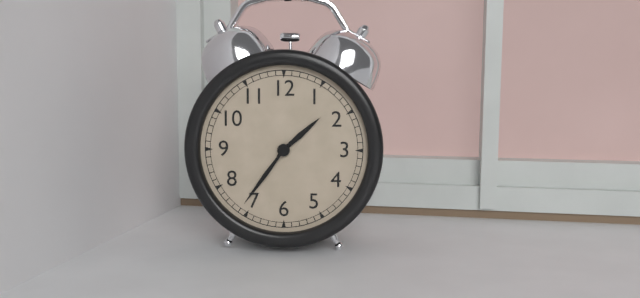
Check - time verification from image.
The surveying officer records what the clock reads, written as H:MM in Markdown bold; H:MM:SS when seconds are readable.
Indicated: **1:36**
